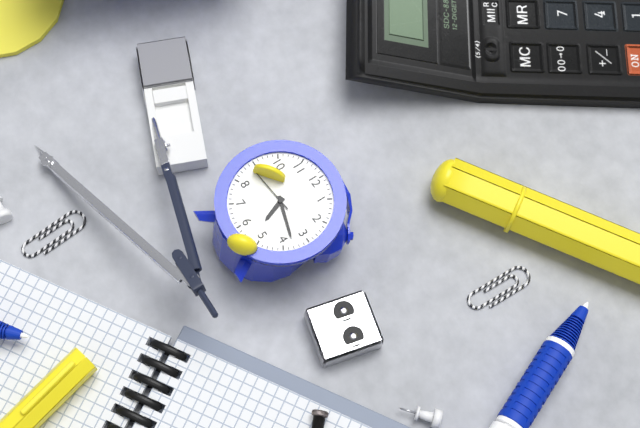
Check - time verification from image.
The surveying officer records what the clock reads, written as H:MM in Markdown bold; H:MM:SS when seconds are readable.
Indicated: **5:18:44**
